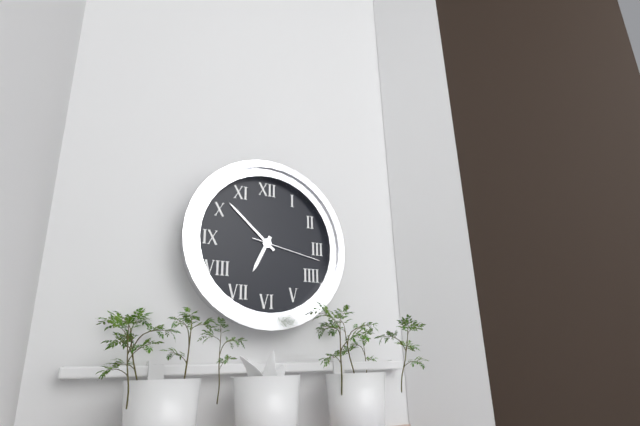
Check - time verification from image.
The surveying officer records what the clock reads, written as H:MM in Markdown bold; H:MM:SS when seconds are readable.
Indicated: **6:52:17**
